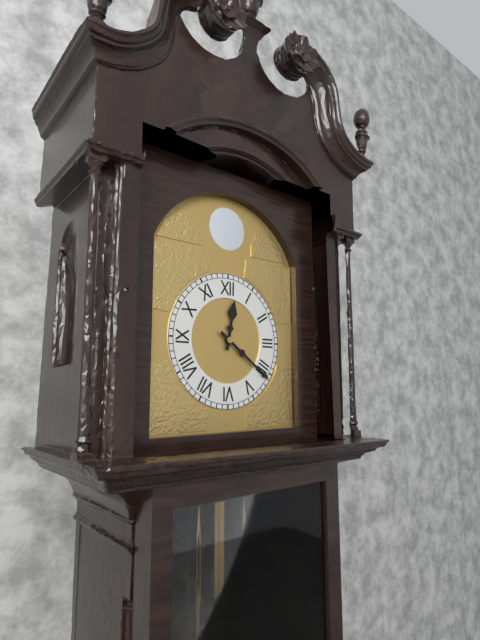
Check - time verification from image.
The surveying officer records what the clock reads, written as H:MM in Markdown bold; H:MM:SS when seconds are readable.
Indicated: **12:21**
